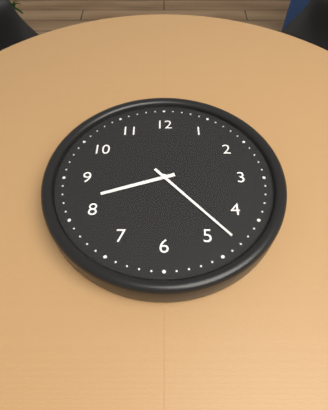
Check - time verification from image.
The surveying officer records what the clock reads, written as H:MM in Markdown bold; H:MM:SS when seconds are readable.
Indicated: **8:23**
